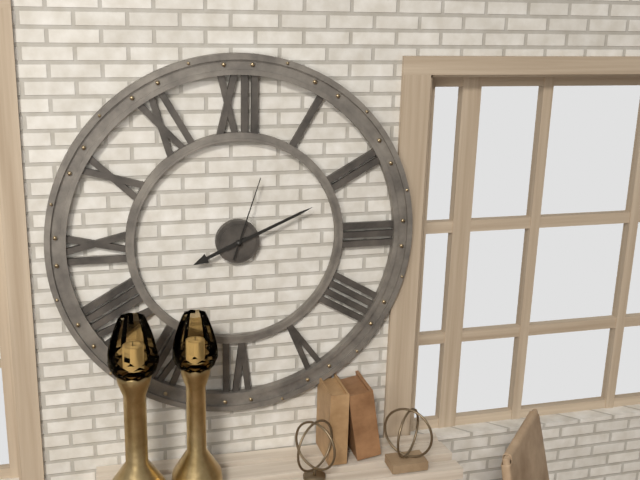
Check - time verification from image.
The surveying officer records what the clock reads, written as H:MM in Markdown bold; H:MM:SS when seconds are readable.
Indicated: **8:11:03**
